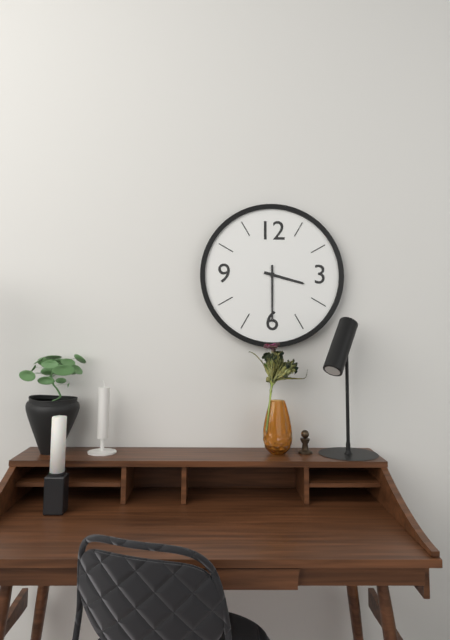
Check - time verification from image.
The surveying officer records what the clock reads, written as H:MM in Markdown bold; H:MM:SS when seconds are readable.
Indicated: **3:30**
